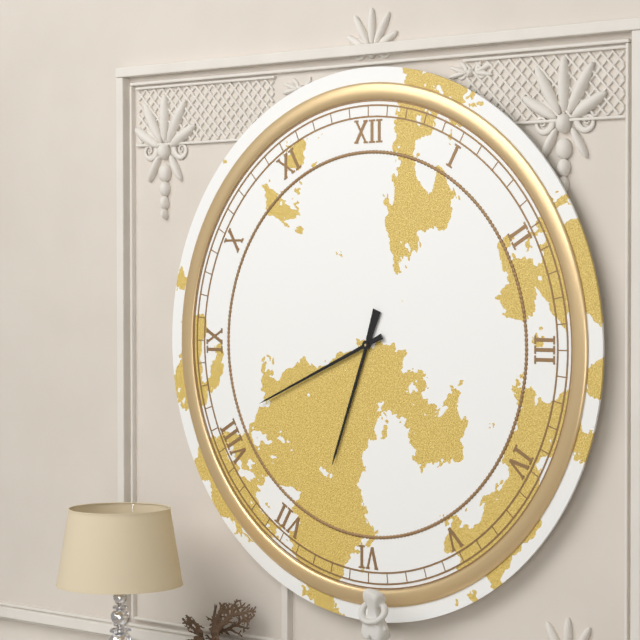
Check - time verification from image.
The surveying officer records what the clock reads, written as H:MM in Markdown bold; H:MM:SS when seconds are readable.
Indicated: **6:41**
